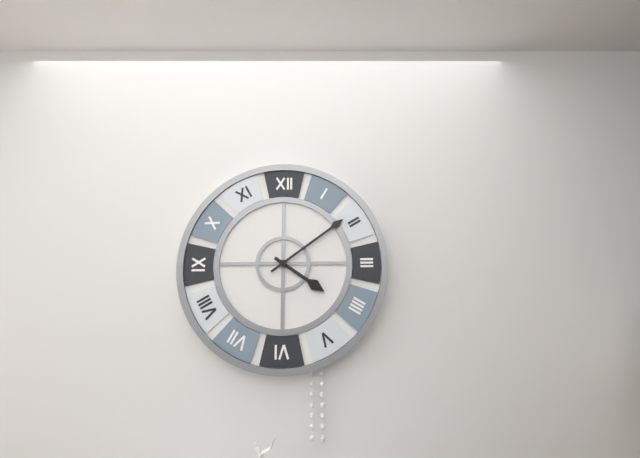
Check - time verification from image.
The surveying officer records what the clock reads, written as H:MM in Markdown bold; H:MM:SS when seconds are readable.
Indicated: **4:09**
